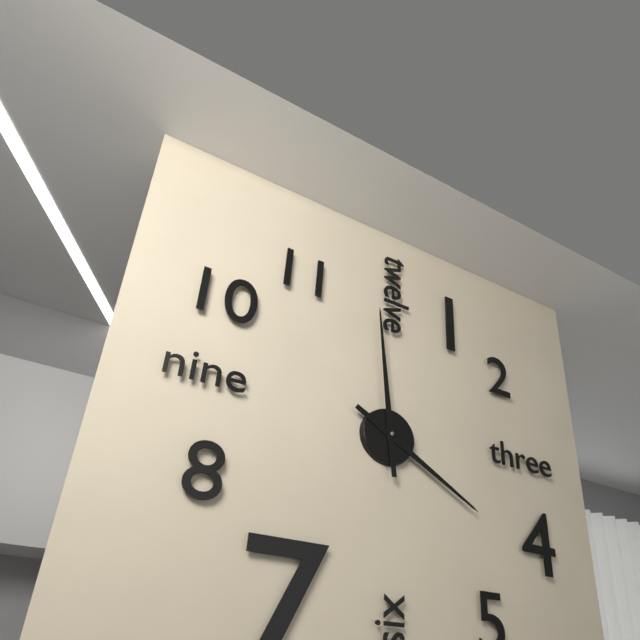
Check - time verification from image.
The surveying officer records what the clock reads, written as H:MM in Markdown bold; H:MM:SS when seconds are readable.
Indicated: **3:59**
